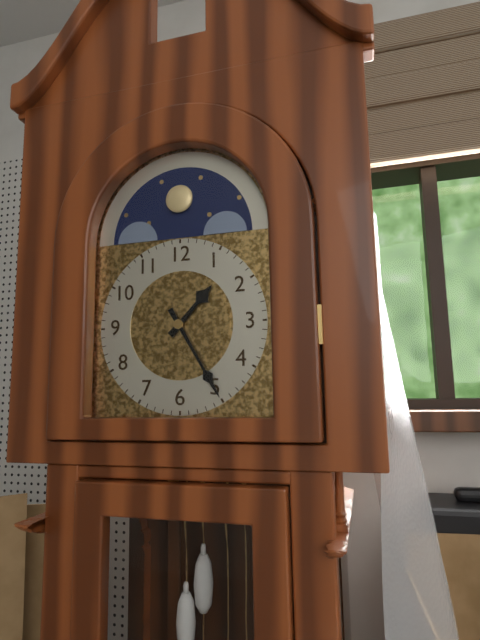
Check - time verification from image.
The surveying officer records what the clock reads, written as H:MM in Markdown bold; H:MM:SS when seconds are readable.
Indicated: **1:25**
